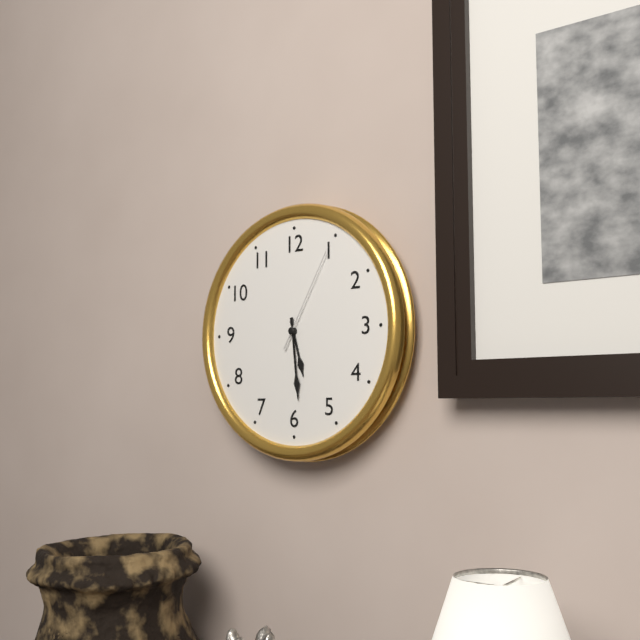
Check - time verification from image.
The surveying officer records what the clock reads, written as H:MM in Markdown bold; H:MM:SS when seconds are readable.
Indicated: **5:29:05**
